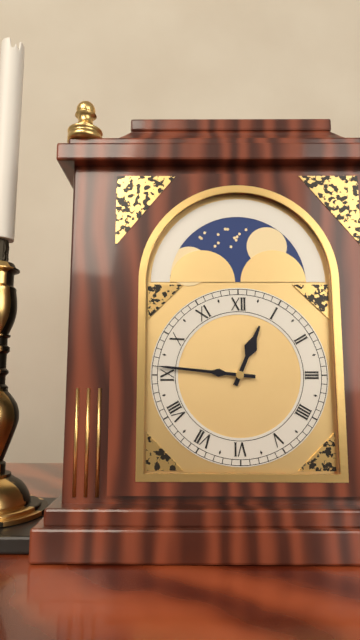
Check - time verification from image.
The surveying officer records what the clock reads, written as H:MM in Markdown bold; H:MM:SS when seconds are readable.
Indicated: **12:46**
